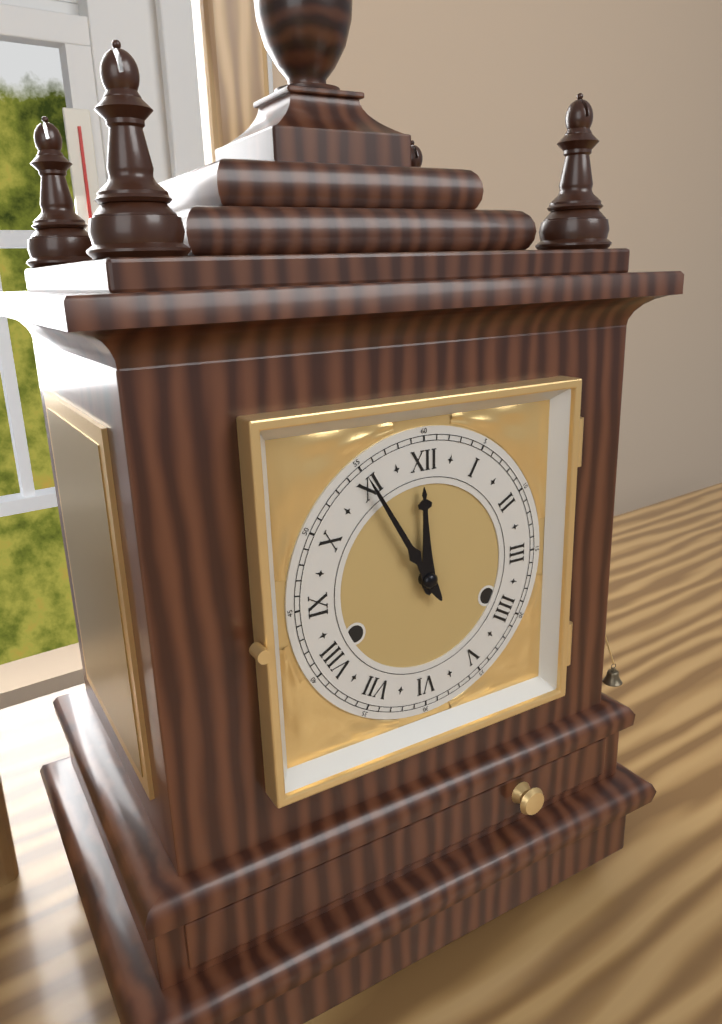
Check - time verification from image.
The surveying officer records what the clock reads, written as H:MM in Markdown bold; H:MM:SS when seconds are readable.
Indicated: **11:55**
